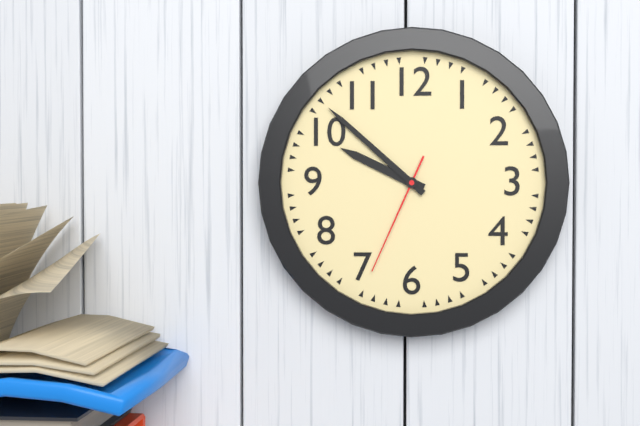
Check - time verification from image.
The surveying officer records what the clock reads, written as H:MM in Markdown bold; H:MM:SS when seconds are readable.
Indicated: **9:52:34**
